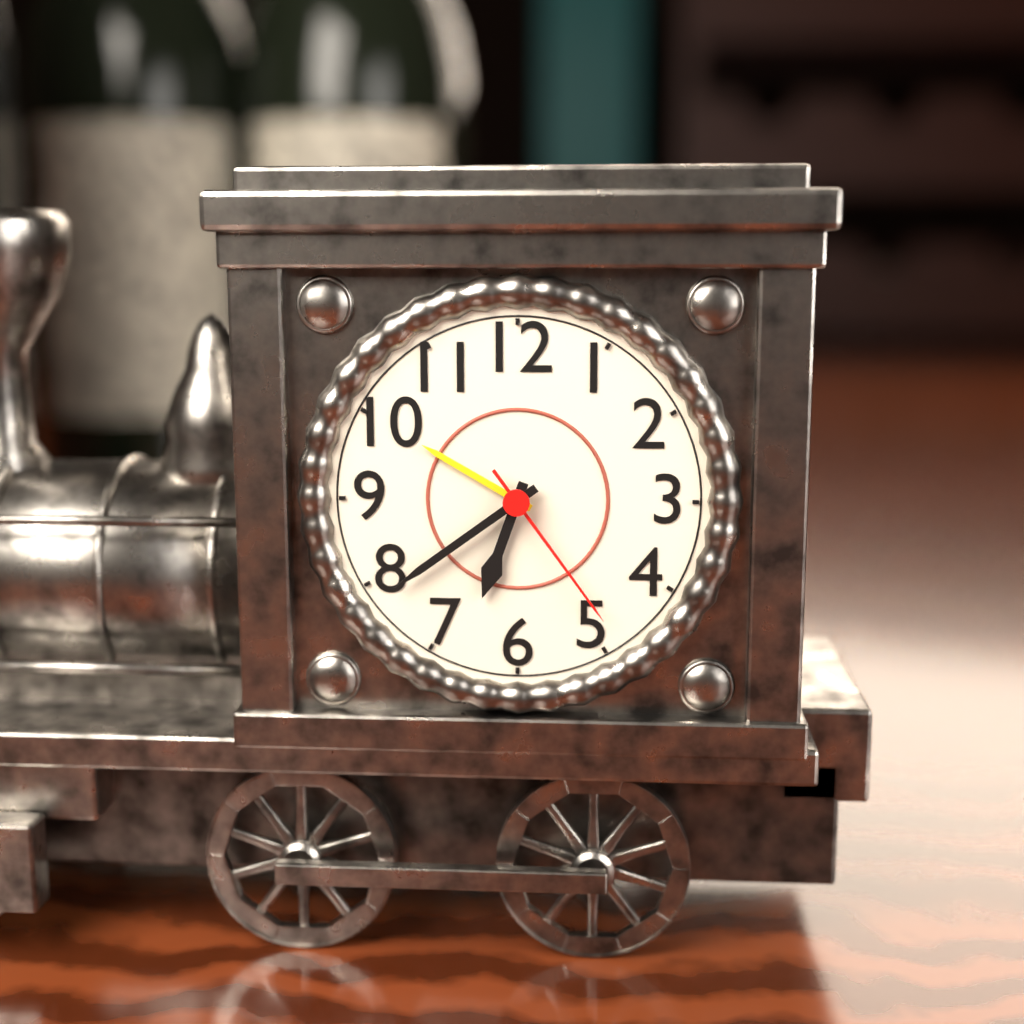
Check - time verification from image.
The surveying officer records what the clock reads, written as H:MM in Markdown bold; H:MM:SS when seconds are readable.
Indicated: **6:39:24**
